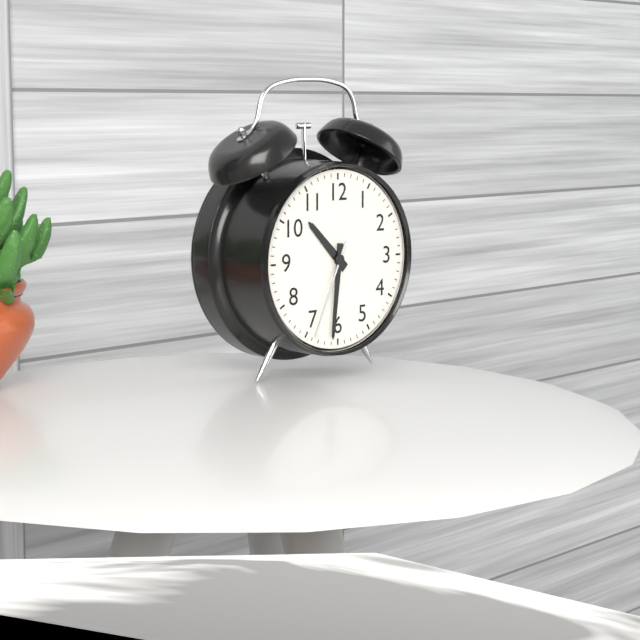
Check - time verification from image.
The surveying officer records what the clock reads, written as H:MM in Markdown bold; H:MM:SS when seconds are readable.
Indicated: **10:31:34**
